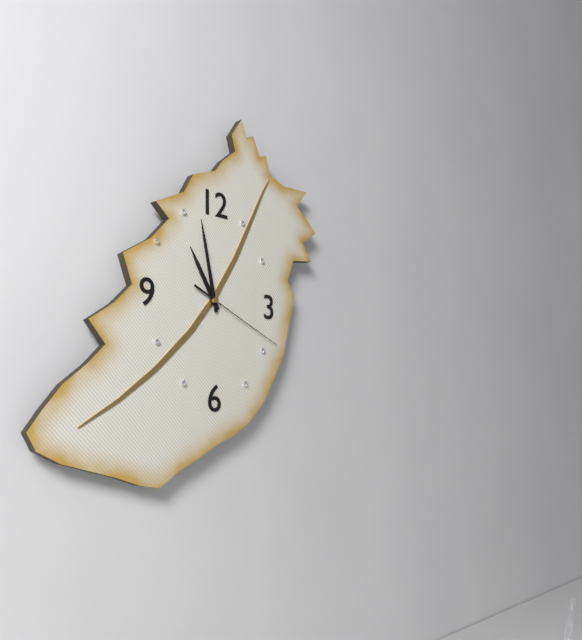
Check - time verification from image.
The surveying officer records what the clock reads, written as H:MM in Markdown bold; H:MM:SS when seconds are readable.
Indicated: **10:58:19**
